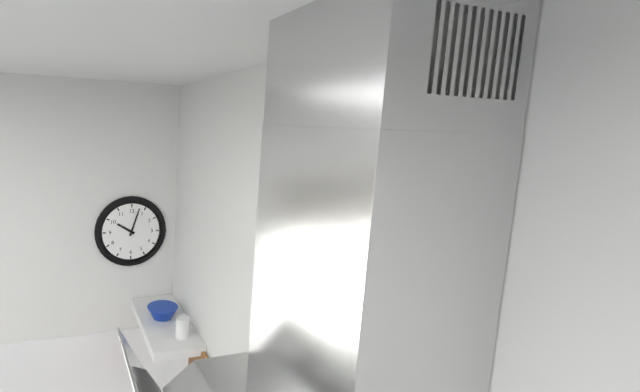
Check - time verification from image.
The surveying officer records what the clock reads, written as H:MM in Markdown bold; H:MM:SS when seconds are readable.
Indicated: **10:03**
